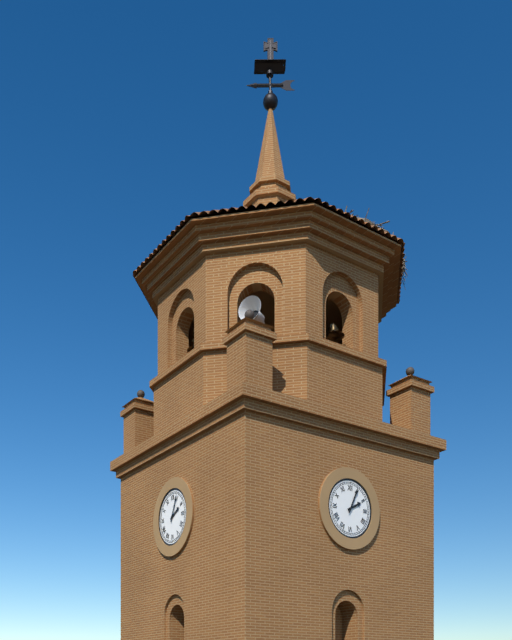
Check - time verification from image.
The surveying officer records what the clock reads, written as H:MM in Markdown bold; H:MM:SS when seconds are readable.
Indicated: **2:04**
